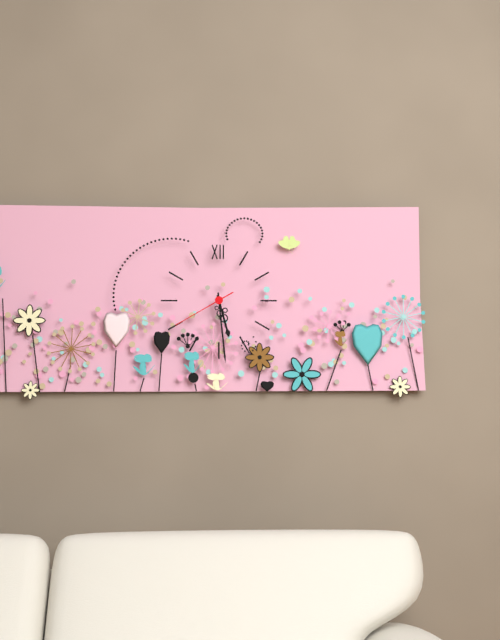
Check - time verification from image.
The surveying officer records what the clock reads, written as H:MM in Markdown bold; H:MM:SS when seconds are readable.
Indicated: **5:29:40**
